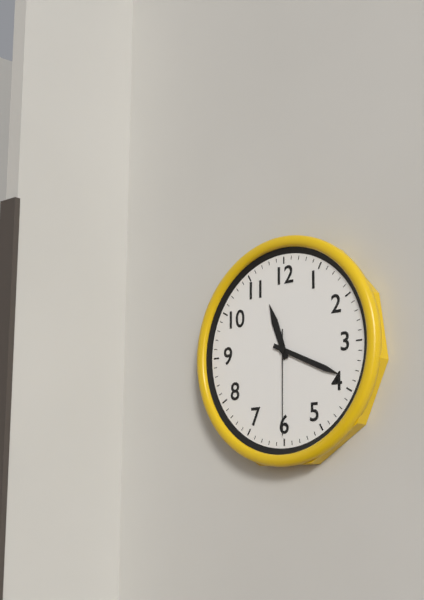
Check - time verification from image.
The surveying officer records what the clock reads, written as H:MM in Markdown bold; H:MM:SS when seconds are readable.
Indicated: **11:19:30**
